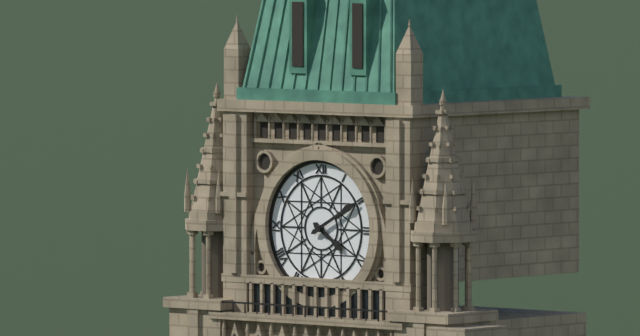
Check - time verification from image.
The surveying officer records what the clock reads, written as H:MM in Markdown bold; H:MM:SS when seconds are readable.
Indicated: **4:10**
